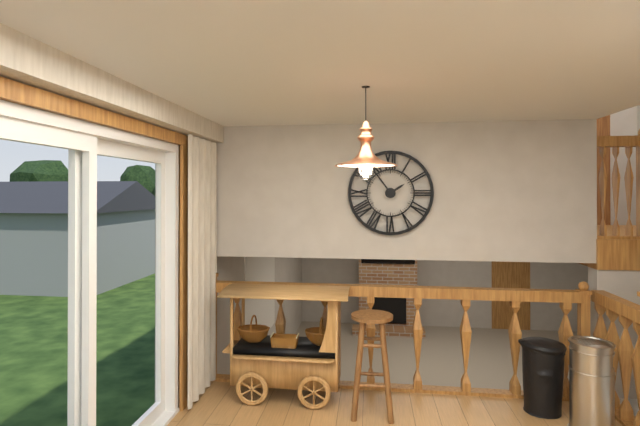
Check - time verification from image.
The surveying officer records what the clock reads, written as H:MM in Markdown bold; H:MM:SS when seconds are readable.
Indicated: **1:54**
